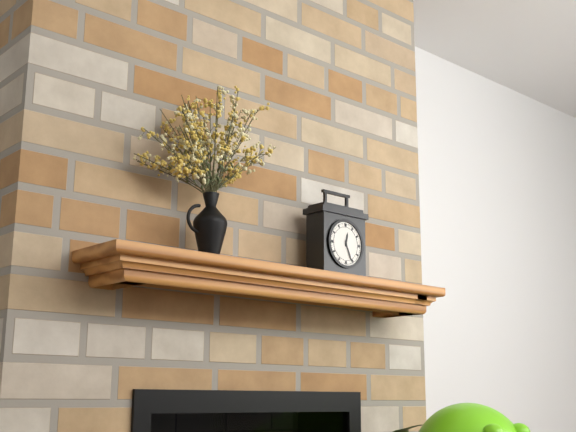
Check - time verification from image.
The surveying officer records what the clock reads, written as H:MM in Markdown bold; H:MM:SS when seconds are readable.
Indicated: **12:26**
